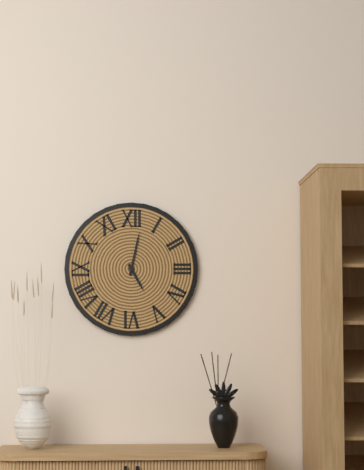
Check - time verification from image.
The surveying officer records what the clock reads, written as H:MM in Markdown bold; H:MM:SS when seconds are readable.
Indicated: **5:02**
